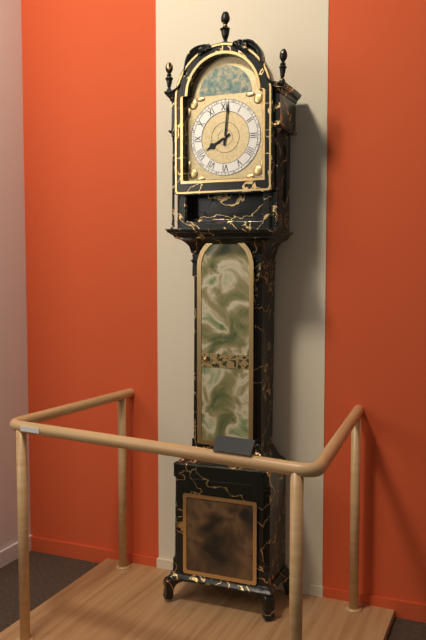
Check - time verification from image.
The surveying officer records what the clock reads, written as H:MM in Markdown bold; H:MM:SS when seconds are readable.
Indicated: **8:01**
